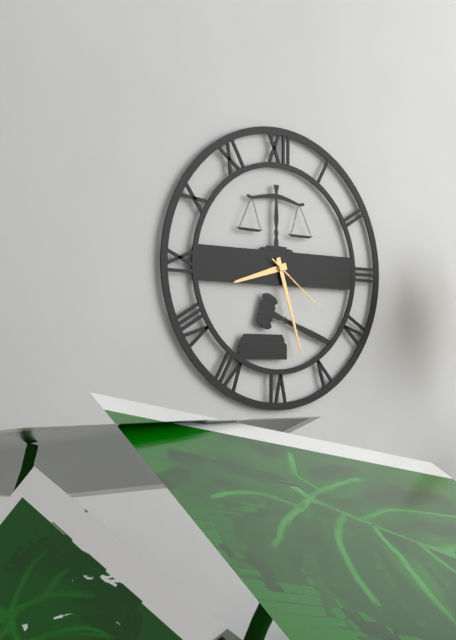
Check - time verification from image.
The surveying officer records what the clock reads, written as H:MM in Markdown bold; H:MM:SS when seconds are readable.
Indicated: **8:27:21**
